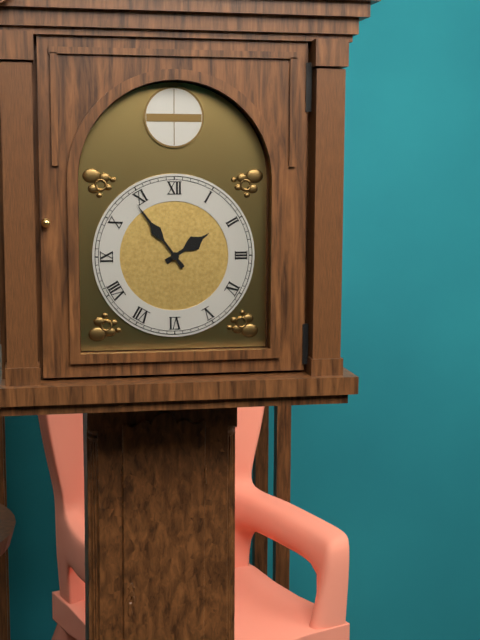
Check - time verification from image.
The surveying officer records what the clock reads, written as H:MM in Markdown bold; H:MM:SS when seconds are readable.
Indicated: **1:54**
